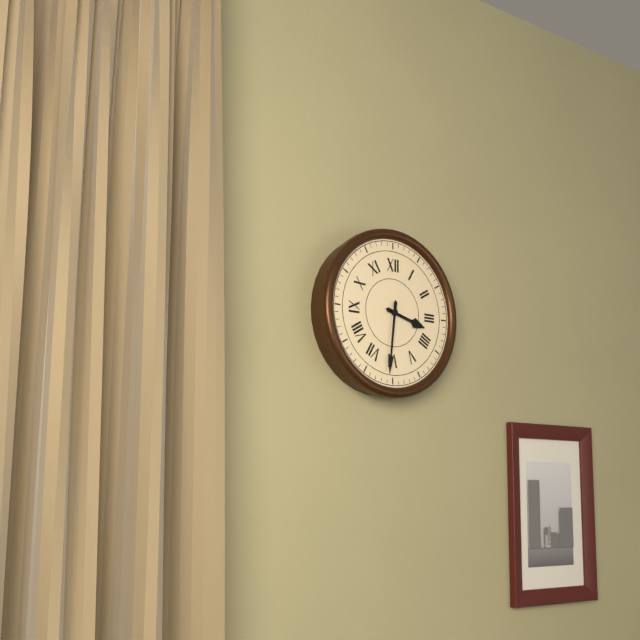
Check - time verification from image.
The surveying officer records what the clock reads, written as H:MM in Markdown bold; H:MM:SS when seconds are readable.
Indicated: **3:31**
